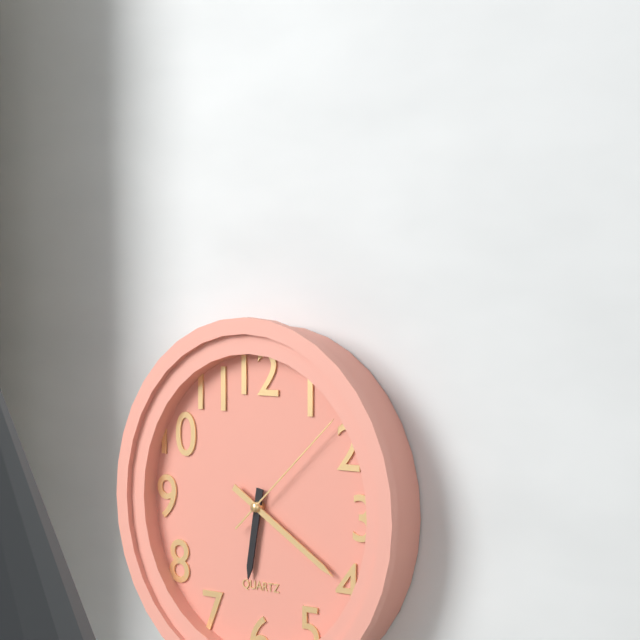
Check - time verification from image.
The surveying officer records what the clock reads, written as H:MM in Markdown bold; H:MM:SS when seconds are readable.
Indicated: **6:20:08**
